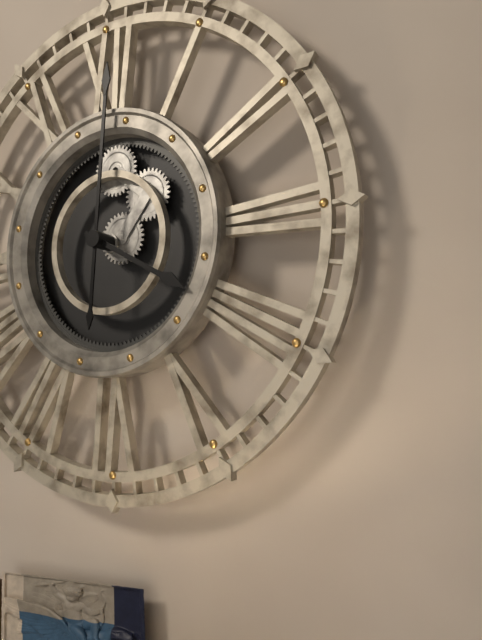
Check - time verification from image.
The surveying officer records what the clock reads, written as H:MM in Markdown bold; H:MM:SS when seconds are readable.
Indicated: **4:01**
